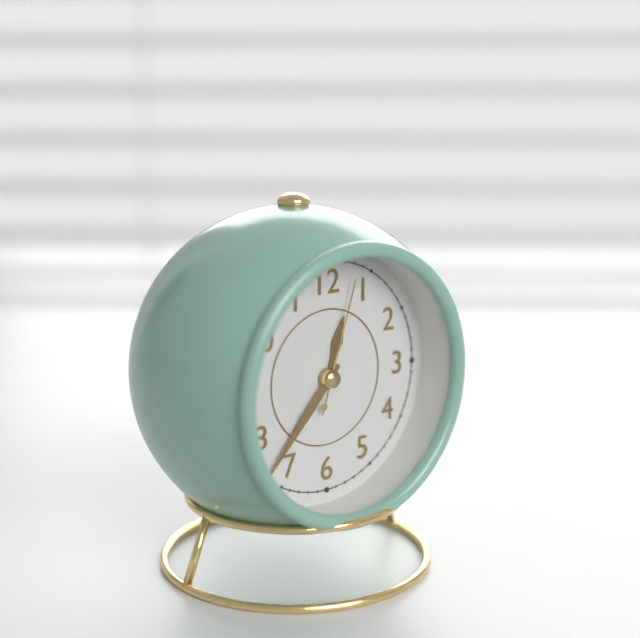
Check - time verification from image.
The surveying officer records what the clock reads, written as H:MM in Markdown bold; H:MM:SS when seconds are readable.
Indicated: **12:37:03**
